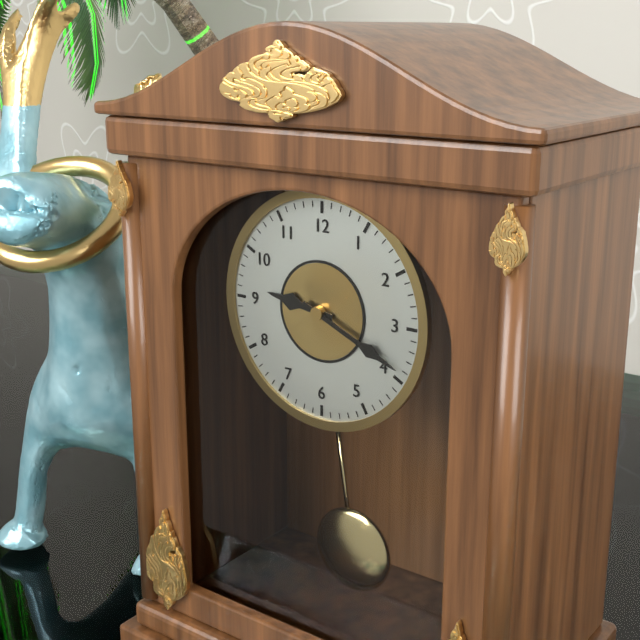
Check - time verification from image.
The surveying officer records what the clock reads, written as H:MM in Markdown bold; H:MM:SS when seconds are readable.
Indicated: **9:19**
